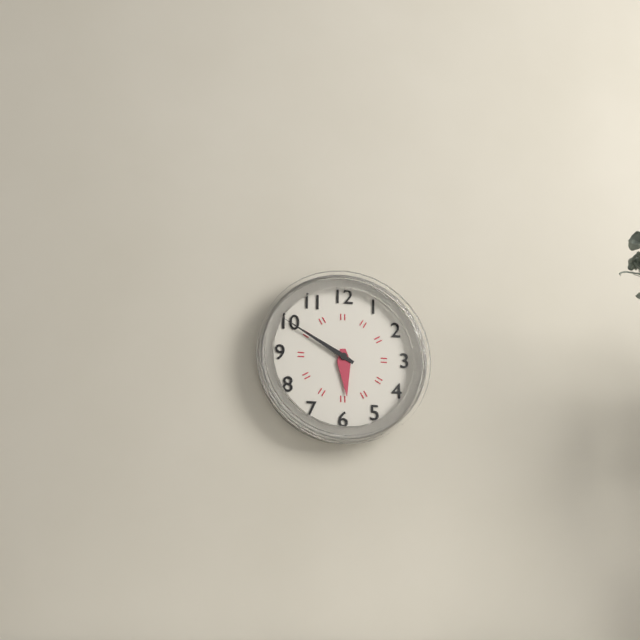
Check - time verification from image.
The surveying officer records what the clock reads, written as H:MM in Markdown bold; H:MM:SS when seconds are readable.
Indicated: **5:50**
